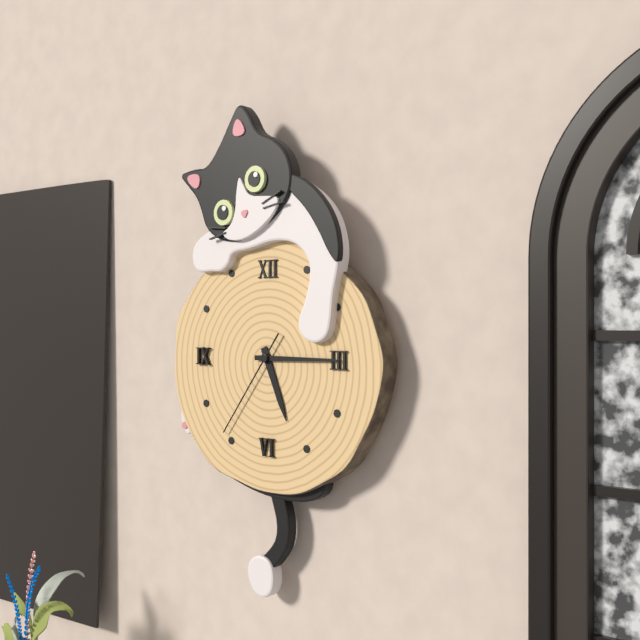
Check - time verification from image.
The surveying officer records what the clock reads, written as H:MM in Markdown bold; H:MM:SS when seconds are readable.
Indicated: **5:15:36**
